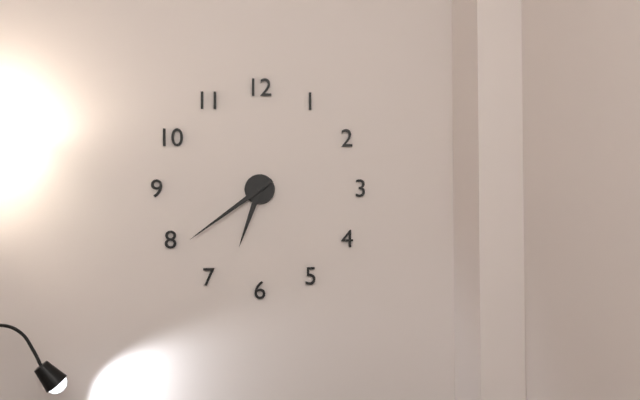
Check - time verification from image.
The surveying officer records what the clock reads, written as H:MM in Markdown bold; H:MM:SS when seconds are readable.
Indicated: **6:39**
